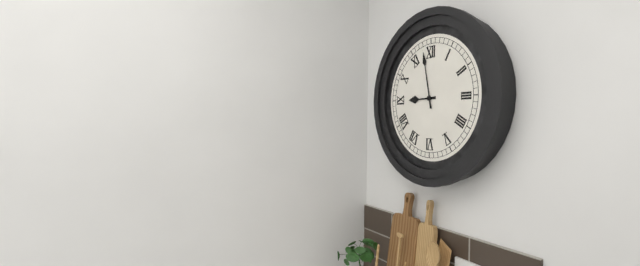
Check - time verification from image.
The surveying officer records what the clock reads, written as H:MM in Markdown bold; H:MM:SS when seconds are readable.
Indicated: **8:58**
